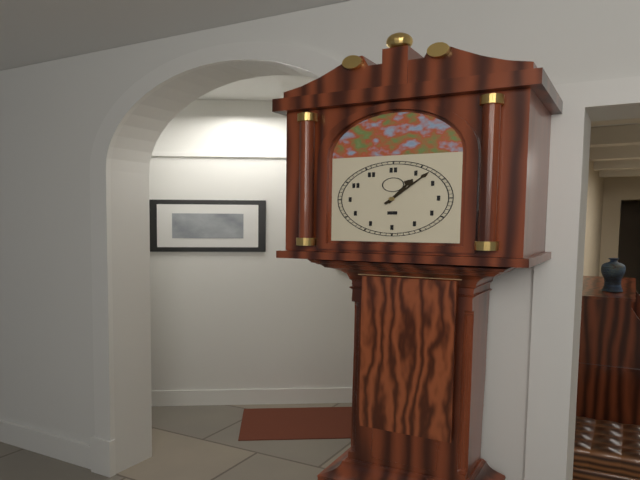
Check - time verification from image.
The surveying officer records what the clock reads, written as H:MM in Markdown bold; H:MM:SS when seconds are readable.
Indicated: **1:07**
